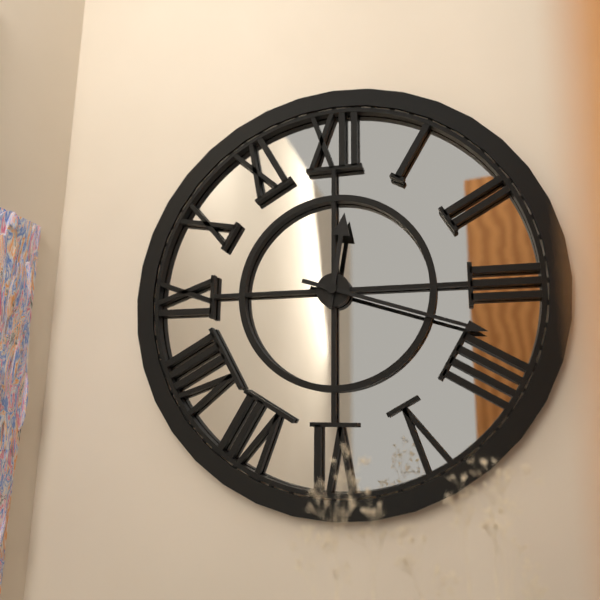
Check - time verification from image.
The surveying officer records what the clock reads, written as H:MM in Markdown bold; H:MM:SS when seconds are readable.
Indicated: **12:18**
